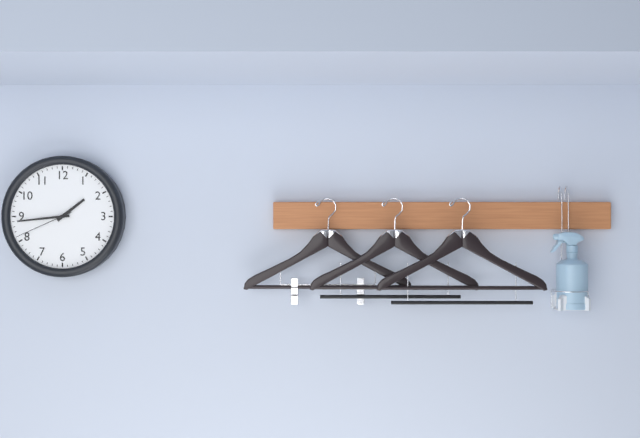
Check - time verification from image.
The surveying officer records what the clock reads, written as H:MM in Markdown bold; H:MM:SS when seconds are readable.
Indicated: **1:44:41**
